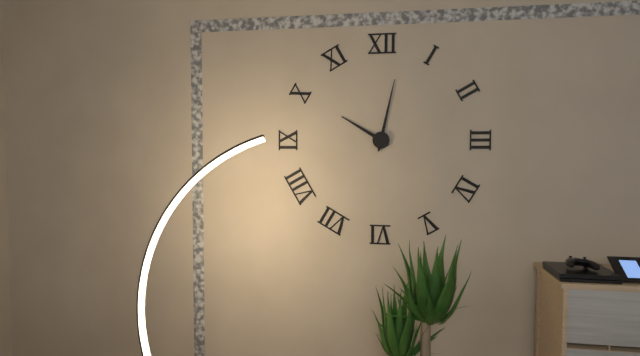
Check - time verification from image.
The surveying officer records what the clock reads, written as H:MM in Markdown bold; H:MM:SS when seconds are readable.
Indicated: **10:02**
